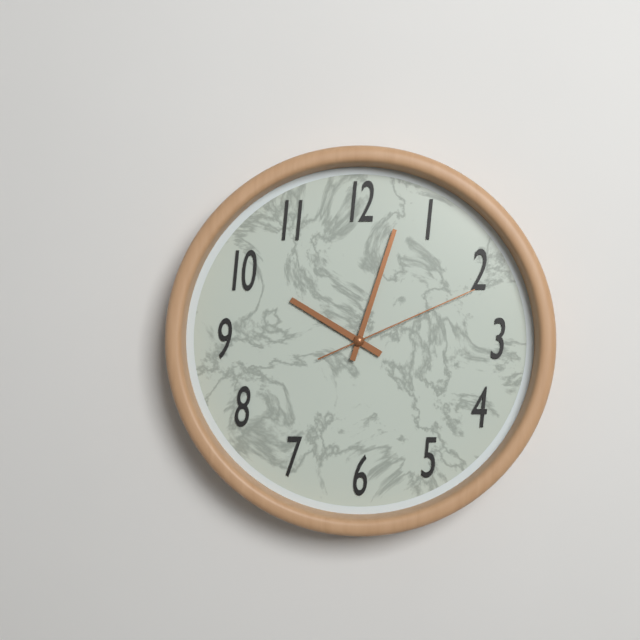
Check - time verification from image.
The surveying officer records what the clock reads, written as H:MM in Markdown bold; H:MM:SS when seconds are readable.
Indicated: **10:03:11**
